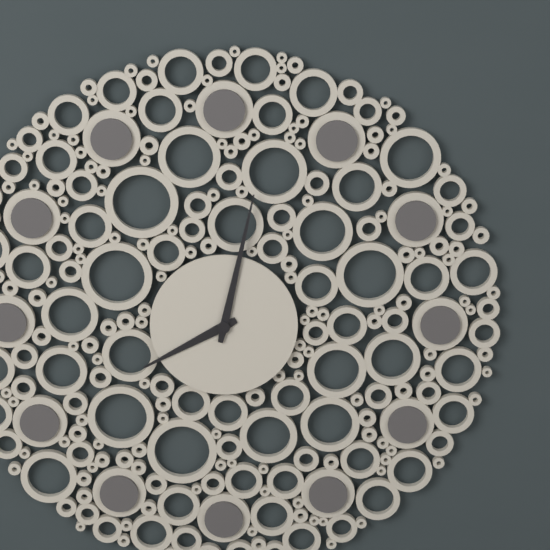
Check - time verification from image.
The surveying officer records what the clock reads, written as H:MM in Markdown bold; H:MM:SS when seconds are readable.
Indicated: **8:02**
